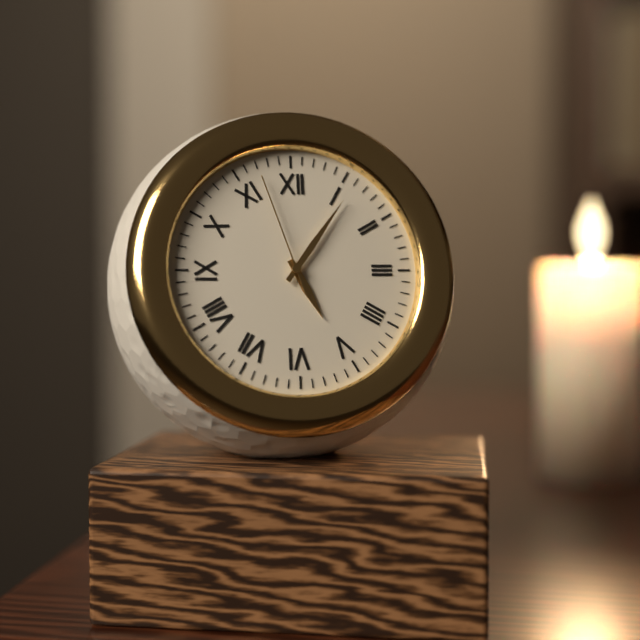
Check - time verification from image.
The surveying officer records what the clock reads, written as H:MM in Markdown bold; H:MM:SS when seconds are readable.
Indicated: **5:06:57**
